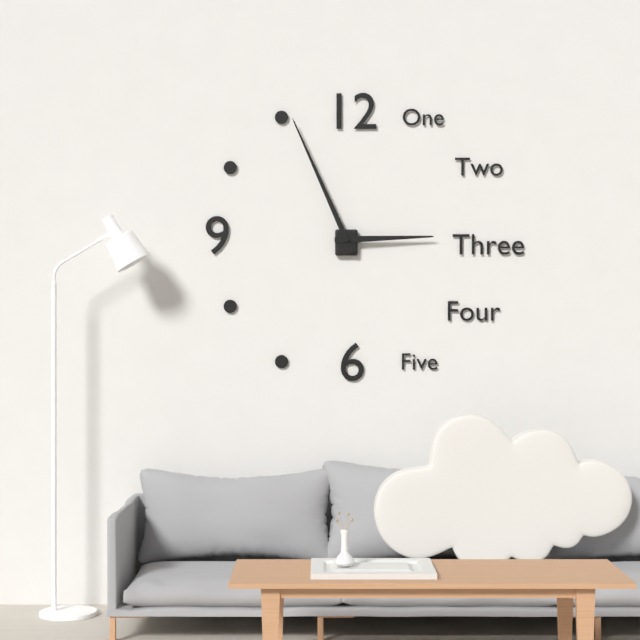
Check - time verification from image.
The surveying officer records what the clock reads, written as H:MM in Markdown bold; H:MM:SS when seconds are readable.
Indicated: **2:56**
